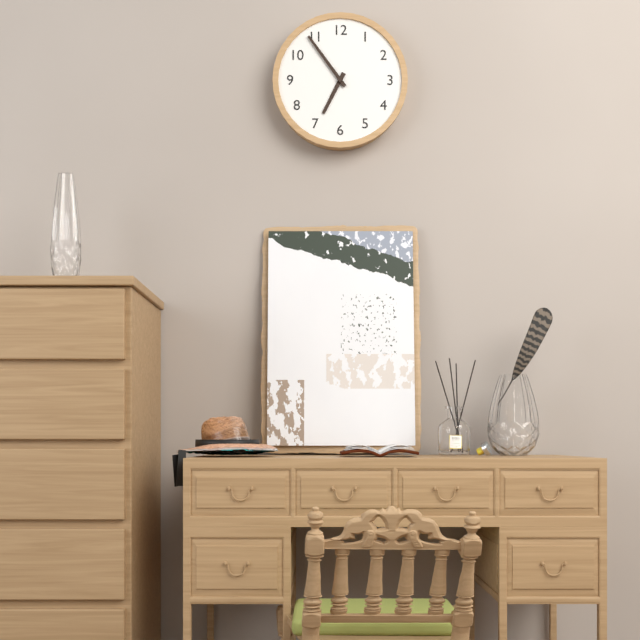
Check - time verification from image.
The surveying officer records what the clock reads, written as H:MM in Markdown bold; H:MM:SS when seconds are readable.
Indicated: **6:54**
